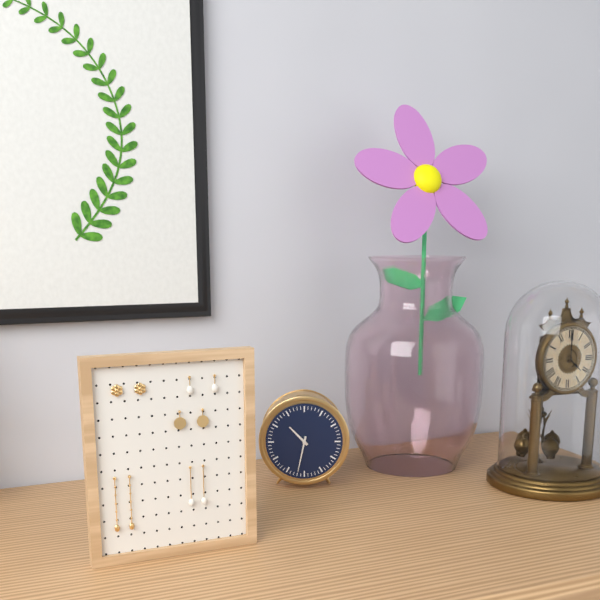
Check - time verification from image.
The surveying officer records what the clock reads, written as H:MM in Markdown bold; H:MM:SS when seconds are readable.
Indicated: **10:32**
